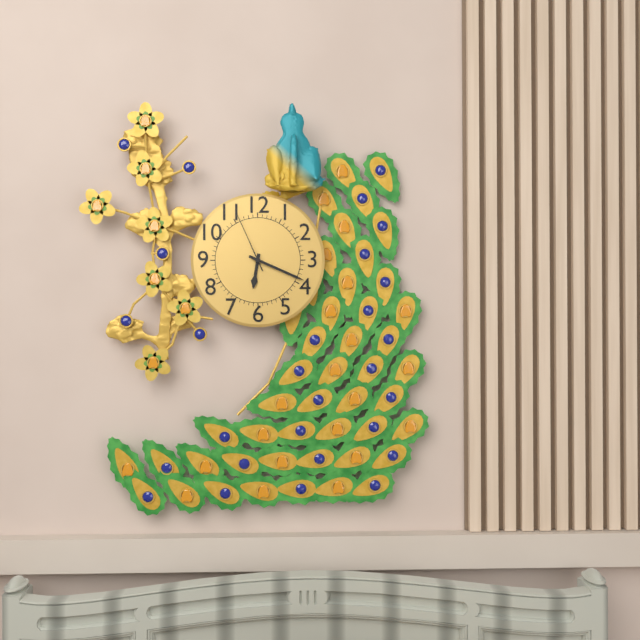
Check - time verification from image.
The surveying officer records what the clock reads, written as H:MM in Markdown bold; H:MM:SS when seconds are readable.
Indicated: **6:19:56**
